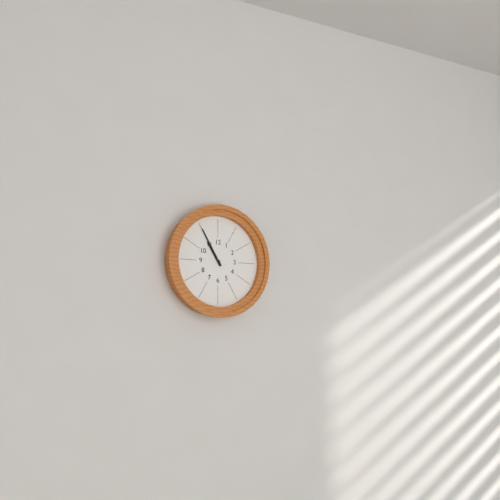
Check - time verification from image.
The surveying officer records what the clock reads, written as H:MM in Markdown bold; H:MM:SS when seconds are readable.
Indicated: **10:55**
